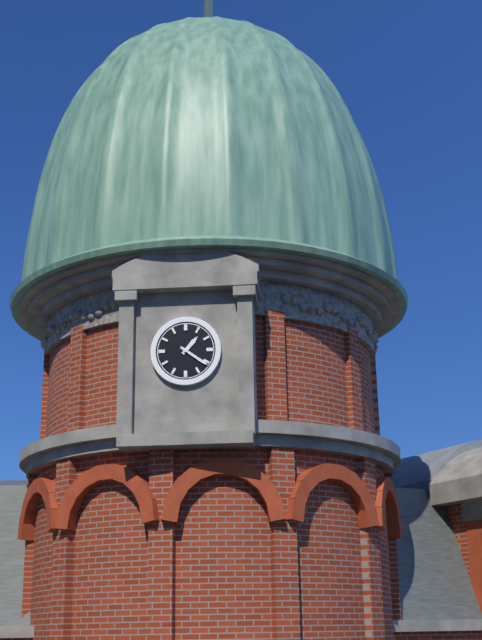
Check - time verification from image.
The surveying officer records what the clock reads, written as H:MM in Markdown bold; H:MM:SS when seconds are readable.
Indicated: **1:21**
